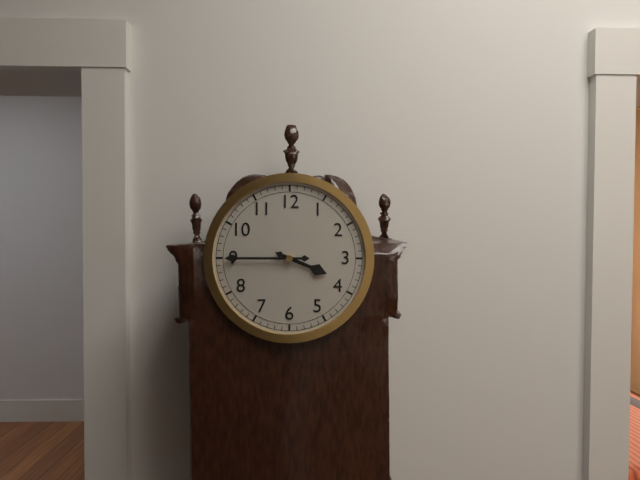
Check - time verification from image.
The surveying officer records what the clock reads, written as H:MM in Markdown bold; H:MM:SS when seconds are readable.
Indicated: **3:45**
